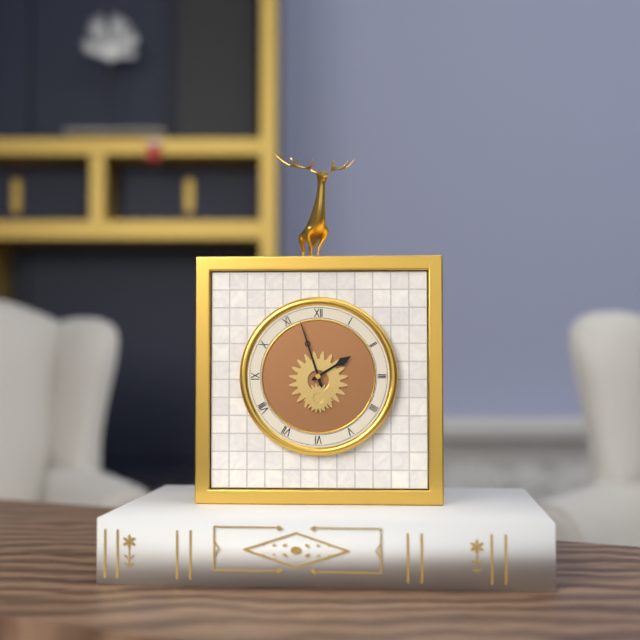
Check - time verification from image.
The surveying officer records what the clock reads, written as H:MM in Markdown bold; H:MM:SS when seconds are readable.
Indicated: **1:57**
